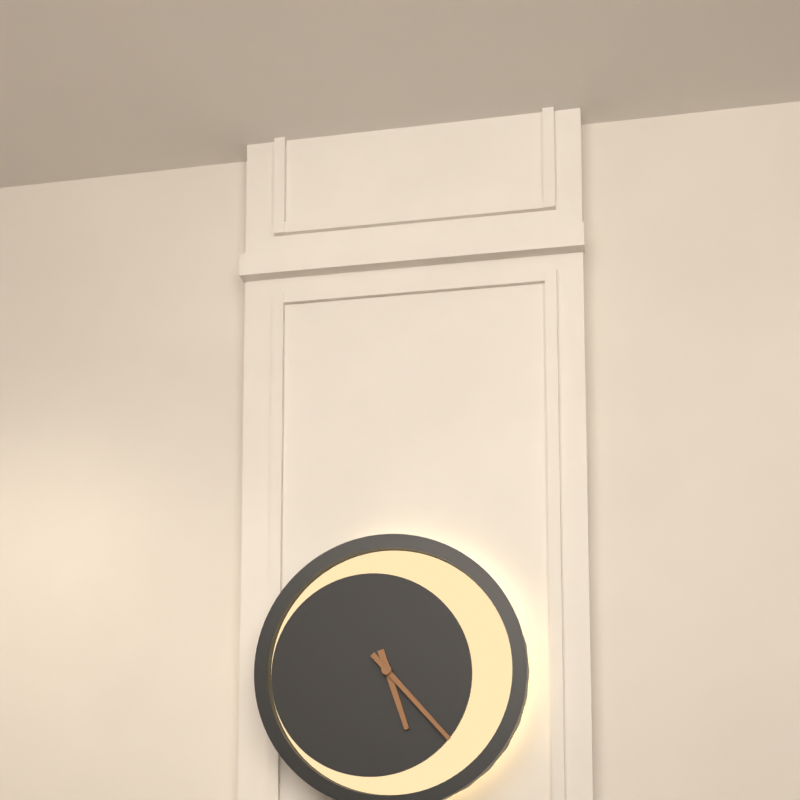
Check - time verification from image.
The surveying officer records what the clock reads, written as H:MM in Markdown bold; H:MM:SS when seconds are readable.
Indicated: **5:23**
